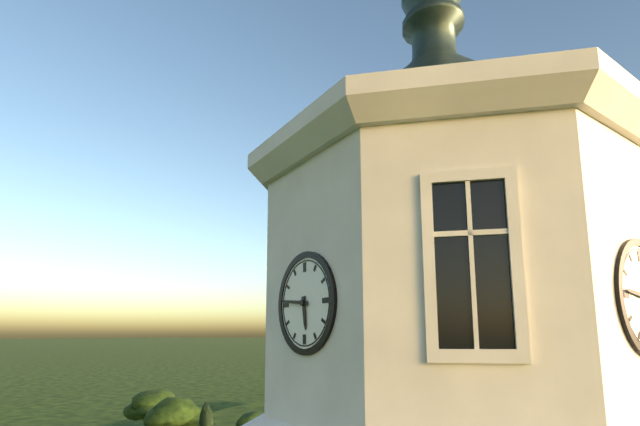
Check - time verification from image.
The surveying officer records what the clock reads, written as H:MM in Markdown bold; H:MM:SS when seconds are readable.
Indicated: **5:46**
